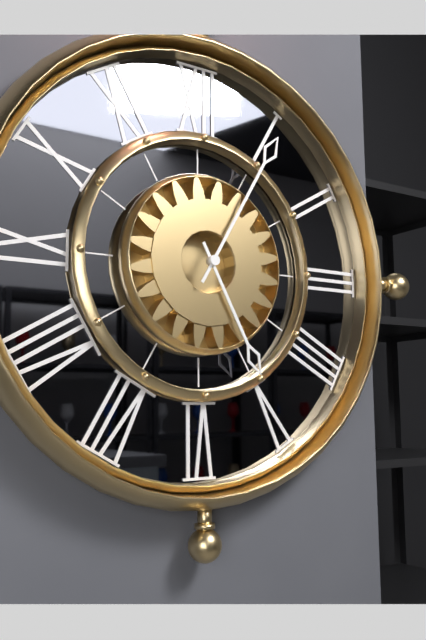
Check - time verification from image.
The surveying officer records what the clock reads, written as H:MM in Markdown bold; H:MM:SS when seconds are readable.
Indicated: **5:05**
